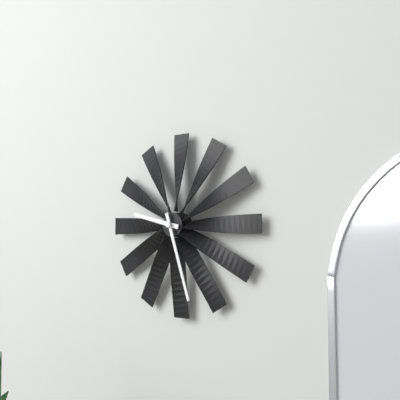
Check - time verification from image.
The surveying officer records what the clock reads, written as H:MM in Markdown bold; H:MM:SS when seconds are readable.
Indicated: **9:27**
